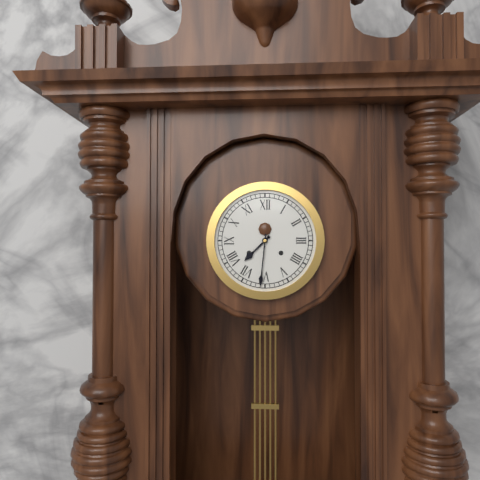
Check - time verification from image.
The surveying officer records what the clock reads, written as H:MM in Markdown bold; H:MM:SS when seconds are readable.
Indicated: **7:31**
